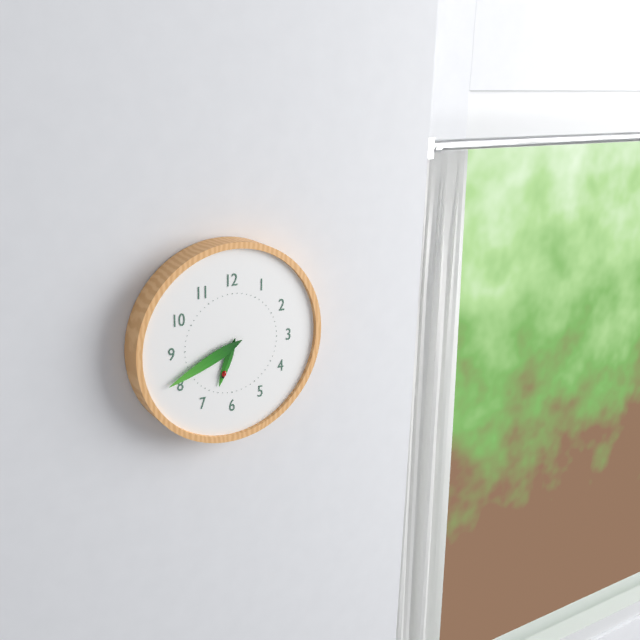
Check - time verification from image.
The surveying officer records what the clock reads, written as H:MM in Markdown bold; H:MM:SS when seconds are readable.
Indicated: **6:41**
